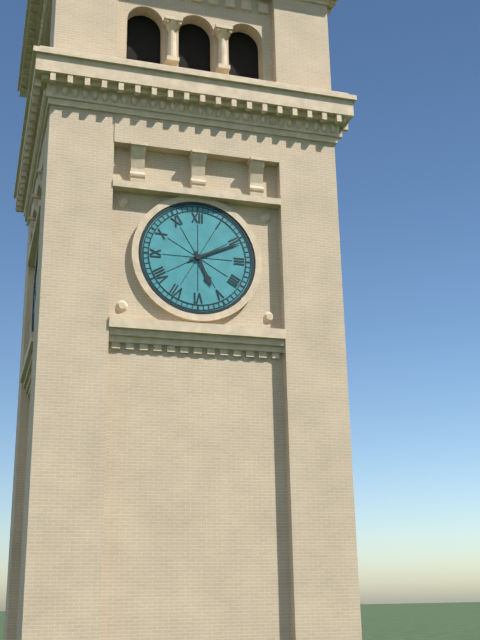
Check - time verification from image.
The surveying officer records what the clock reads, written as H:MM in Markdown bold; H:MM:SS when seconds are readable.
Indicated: **5:11**
